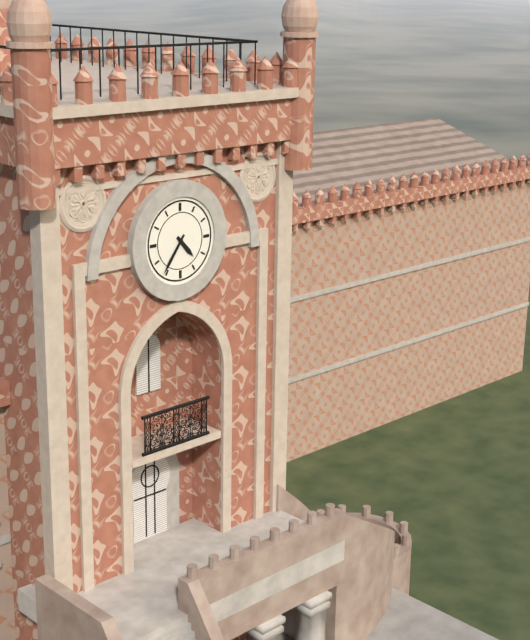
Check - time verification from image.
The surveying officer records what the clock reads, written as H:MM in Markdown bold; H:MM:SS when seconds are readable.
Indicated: **4:36**
